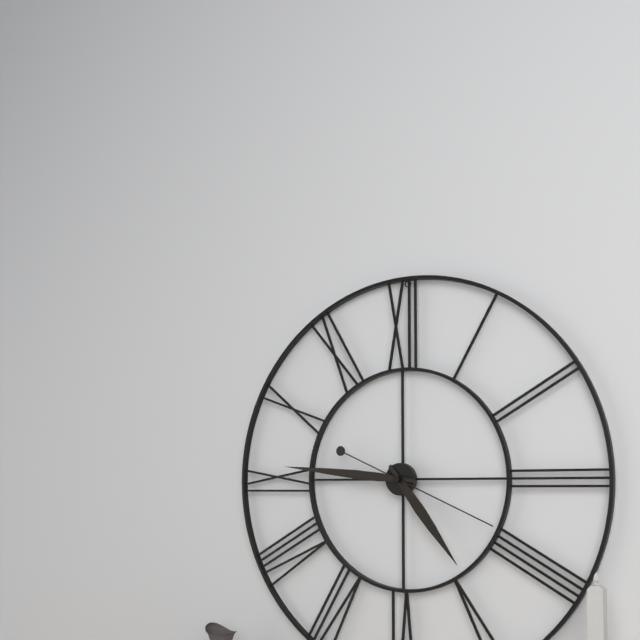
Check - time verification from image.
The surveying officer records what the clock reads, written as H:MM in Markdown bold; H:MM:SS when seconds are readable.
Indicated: **4:46:19**
